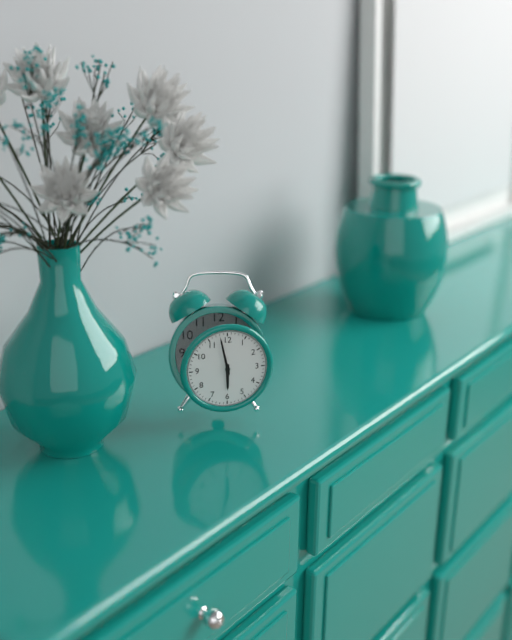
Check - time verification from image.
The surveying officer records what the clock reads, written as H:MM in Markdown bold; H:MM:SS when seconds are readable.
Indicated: **5:58**
